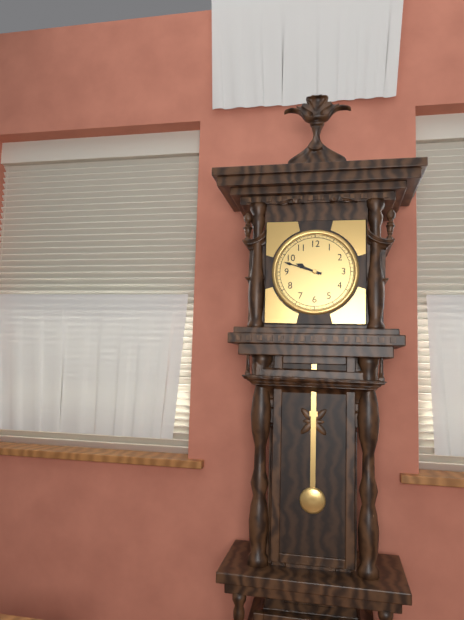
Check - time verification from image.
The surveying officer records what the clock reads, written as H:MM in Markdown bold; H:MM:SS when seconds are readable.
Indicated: **9:48**
